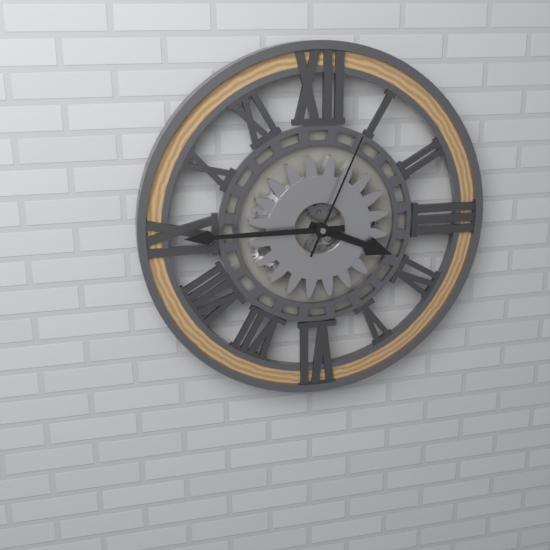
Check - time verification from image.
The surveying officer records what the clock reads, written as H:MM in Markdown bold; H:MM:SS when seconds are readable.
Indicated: **3:45:04**
